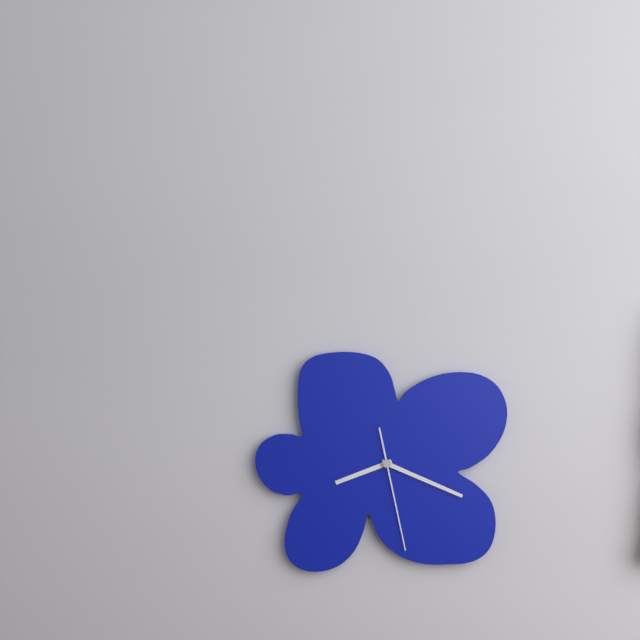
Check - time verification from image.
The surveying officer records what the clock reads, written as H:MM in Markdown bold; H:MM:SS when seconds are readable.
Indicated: **8:19:28**
